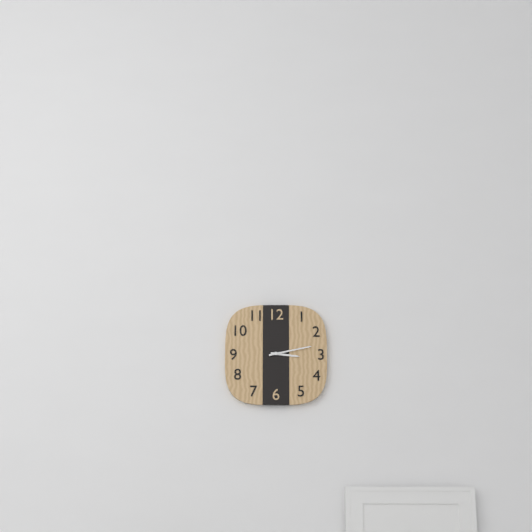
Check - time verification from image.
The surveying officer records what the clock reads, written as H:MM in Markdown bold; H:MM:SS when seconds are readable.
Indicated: **3:13**
